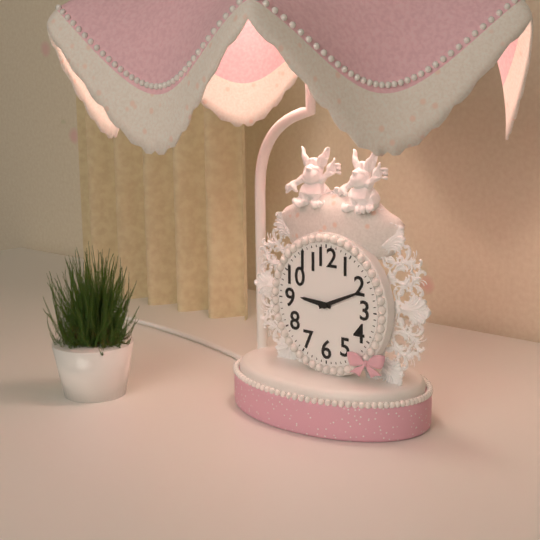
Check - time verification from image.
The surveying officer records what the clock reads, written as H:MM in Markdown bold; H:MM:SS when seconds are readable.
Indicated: **9:11**
